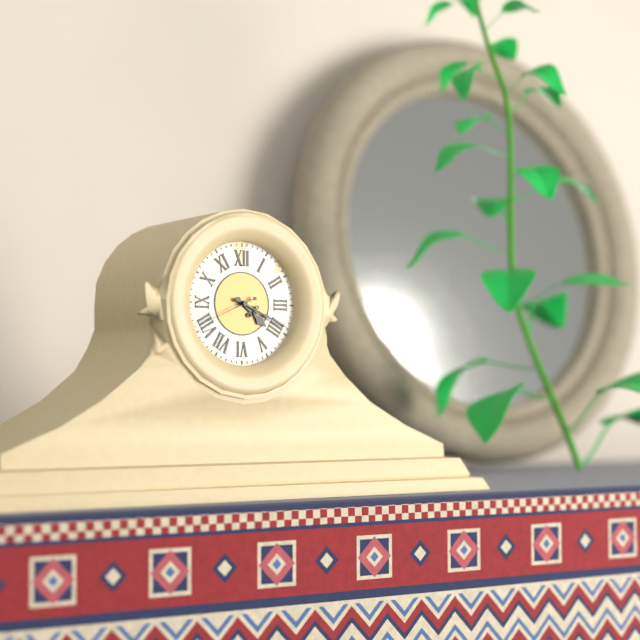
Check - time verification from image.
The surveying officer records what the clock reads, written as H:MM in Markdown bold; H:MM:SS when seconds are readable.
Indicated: **4:19:41**
